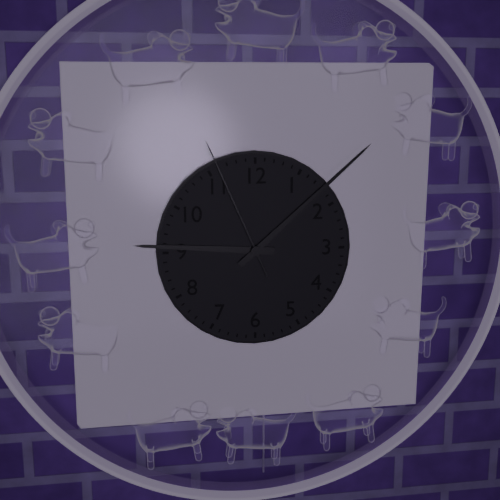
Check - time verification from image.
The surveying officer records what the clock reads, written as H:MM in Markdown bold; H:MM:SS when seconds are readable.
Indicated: **9:08:56**
